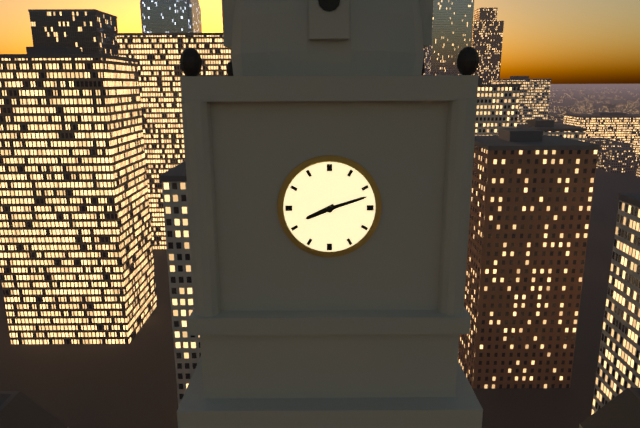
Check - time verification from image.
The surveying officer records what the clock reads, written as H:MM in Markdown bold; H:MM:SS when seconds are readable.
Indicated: **8:12**
